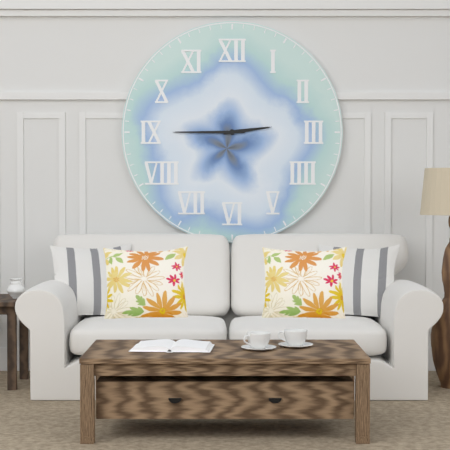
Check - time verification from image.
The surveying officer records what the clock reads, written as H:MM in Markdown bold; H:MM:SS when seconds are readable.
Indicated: **2:45**
